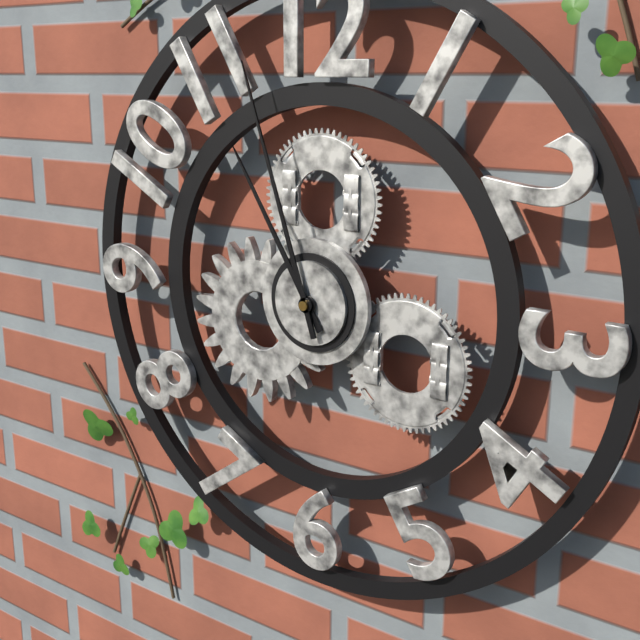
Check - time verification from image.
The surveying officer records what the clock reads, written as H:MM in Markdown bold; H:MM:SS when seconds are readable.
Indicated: **10:57**
